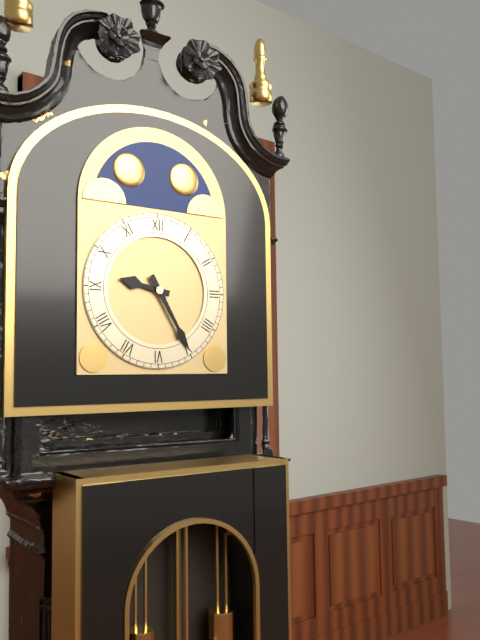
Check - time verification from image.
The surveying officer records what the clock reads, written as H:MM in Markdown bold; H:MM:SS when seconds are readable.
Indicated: **9:25**
